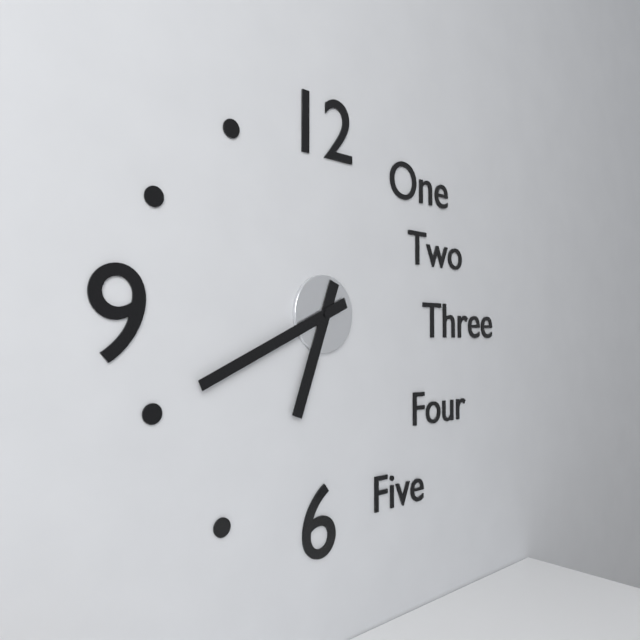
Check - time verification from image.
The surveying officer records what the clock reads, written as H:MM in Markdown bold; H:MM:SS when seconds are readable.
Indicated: **6:41**
